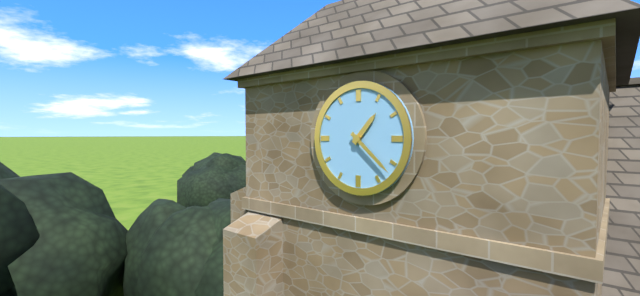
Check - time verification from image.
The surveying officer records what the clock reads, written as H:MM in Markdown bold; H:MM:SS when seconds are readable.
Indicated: **1:22**
